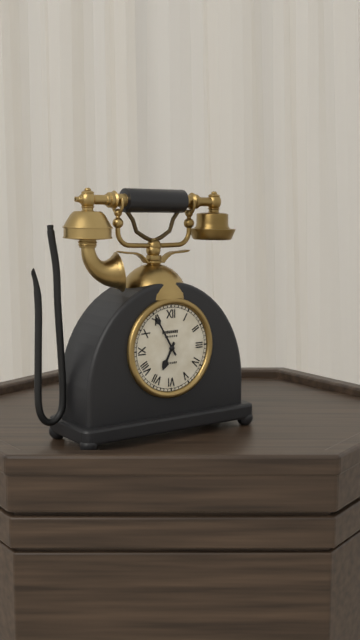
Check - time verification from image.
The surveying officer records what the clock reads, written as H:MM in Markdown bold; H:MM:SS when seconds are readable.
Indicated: **6:55**
